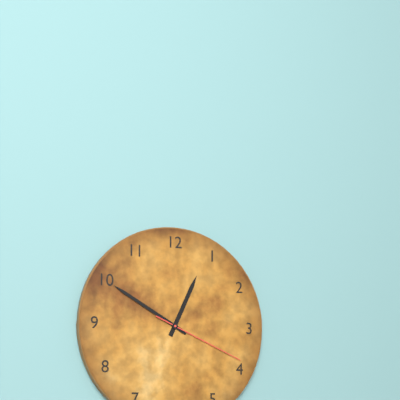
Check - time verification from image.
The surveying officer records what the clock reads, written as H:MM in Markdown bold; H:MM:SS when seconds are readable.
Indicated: **12:50:19**
